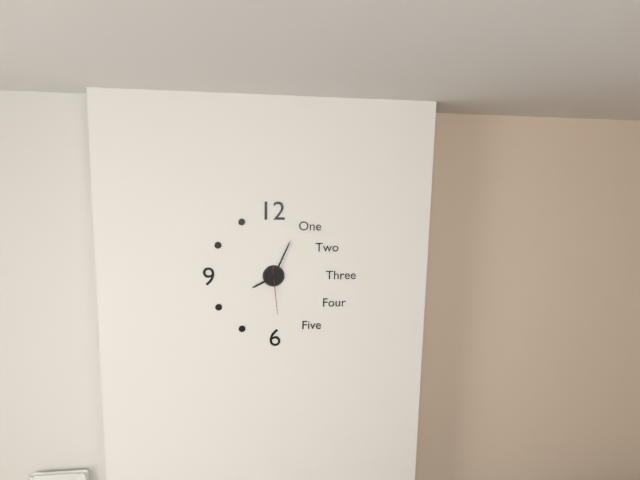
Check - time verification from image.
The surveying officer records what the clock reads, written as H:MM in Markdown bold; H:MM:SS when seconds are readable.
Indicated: **8:04**
